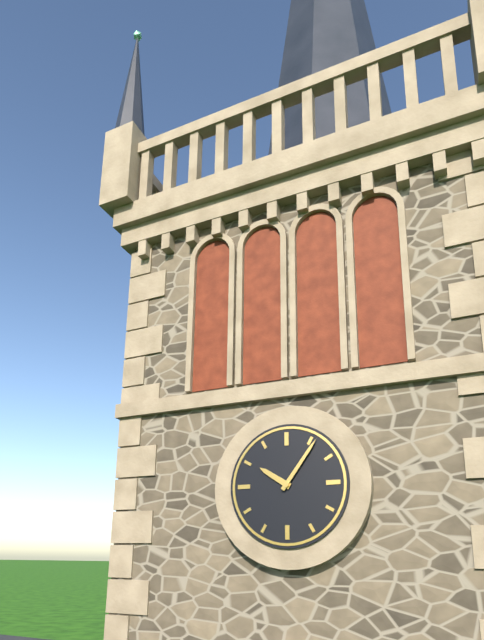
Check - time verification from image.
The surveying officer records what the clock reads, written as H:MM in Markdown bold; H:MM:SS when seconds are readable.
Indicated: **10:06**
